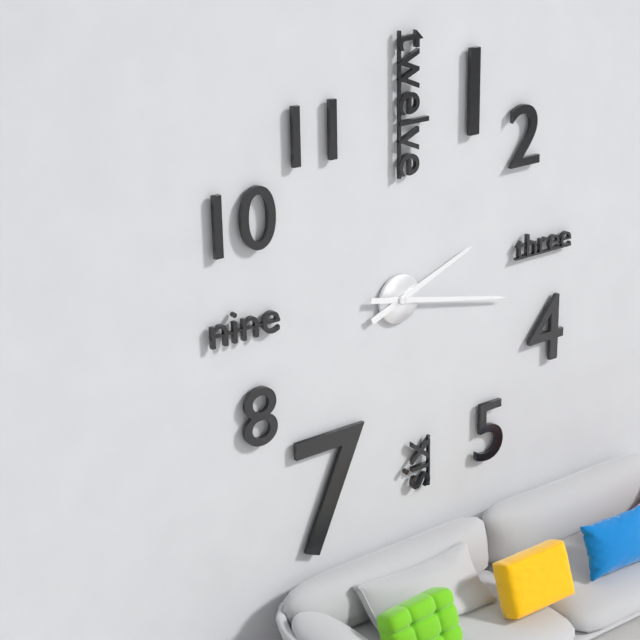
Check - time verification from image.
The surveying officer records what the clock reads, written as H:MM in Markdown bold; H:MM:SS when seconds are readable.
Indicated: **2:17**
